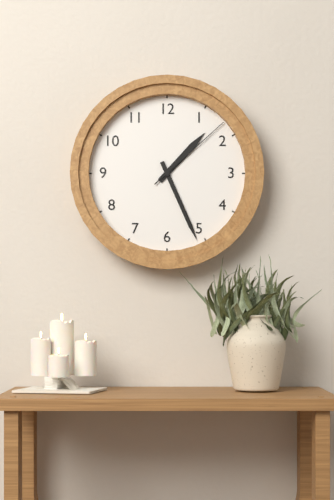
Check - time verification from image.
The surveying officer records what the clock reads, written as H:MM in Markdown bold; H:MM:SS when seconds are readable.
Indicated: **1:26:08**
